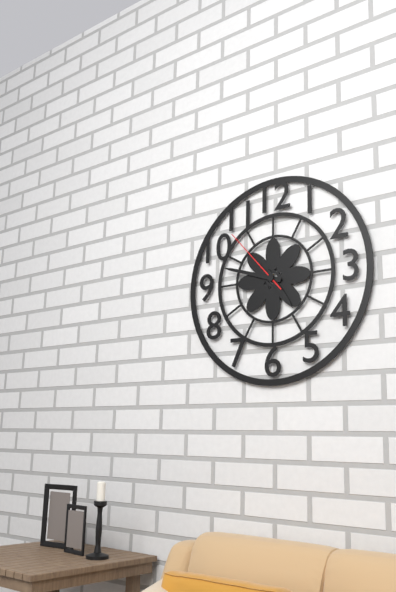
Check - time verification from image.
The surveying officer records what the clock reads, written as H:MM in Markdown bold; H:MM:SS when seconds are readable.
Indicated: **4:48:53**
